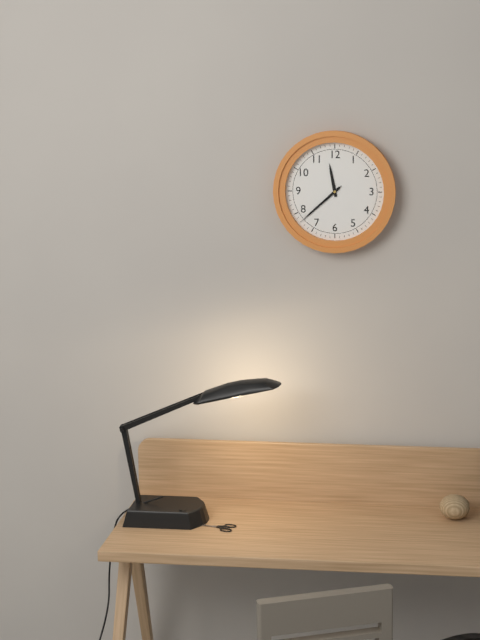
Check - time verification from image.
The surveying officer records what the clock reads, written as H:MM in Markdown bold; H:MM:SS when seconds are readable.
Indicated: **11:38:38**
